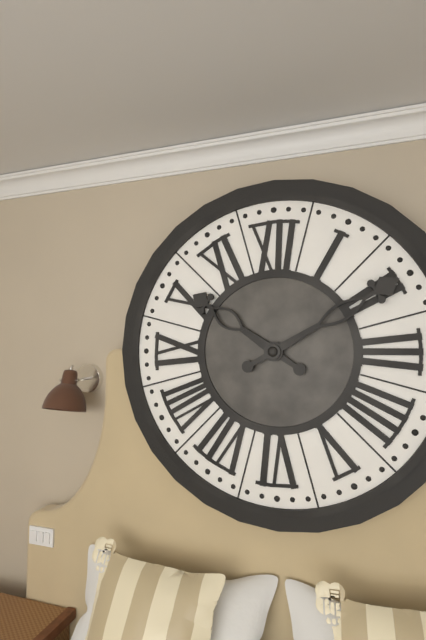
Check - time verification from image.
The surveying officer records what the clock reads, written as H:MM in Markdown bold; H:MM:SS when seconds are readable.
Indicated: **10:10**
